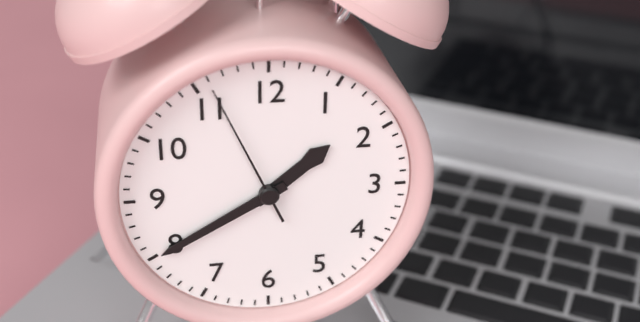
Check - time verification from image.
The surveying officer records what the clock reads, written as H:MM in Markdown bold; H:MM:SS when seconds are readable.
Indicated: **1:40:56**
